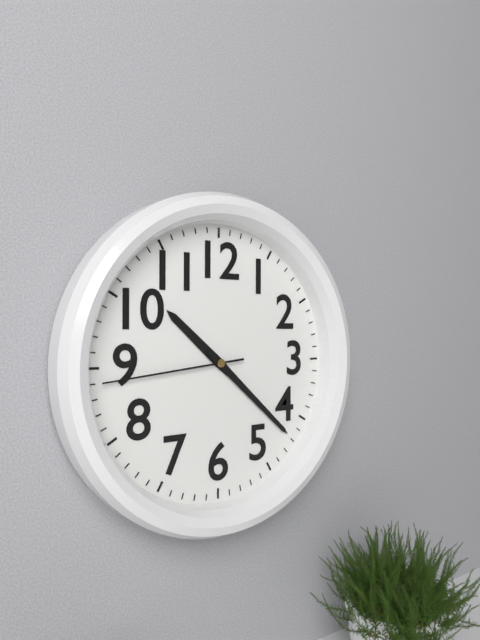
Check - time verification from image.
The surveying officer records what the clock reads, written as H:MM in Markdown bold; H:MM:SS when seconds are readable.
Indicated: **10:22:44**
